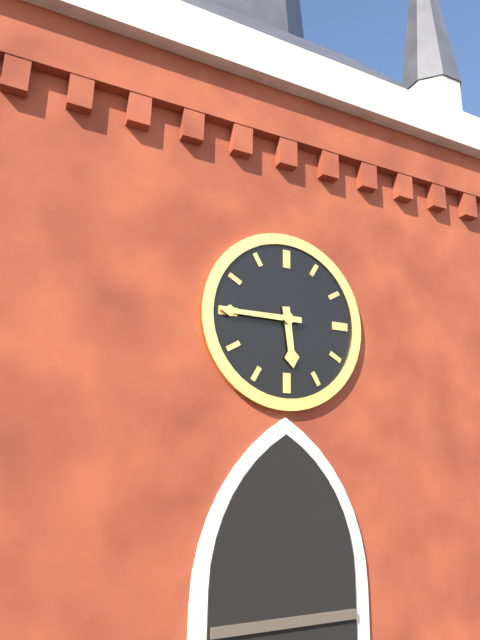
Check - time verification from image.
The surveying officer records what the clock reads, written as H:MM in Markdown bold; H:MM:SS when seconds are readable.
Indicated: **5:45**
